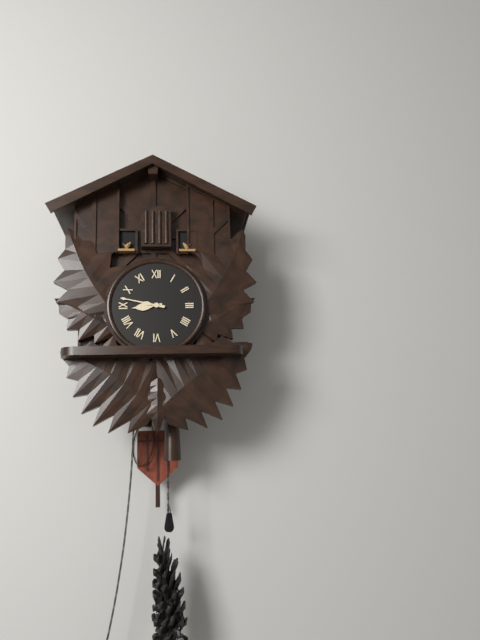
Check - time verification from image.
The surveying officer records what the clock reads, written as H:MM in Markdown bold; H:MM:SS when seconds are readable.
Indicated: **8:47**
